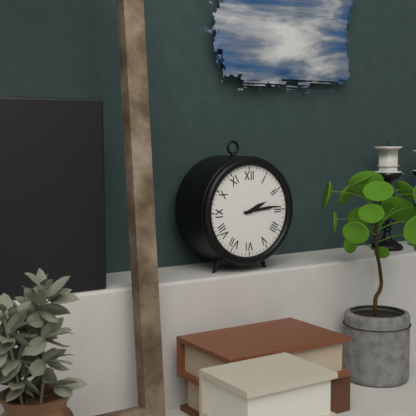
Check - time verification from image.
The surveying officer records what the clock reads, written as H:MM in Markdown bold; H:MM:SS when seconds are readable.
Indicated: **2:14**
